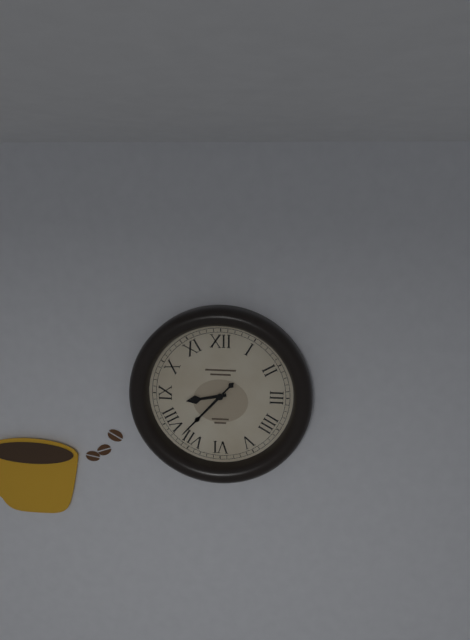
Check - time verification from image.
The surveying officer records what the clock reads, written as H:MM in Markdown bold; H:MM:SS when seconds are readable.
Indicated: **8:37**
